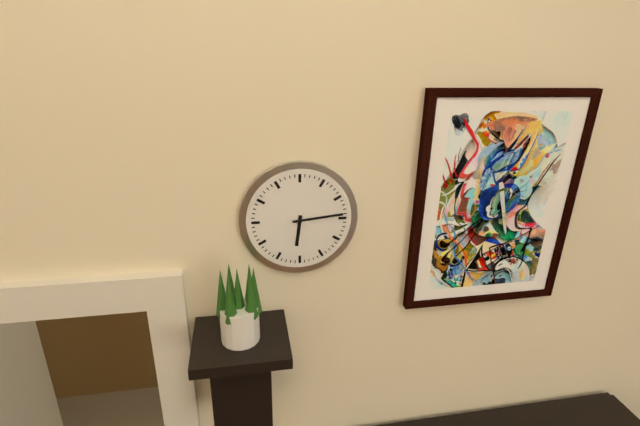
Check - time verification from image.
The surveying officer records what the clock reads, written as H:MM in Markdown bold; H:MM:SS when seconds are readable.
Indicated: **6:14**
